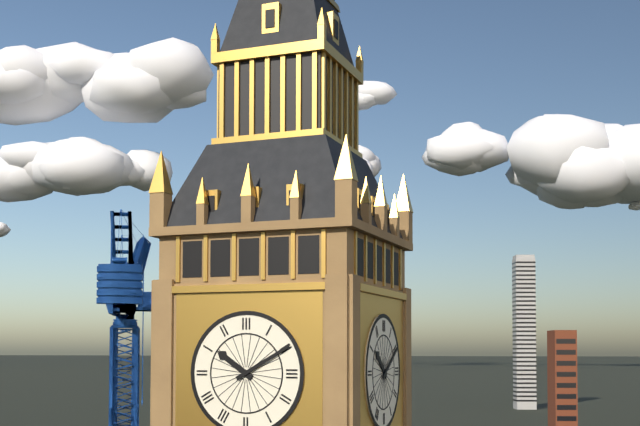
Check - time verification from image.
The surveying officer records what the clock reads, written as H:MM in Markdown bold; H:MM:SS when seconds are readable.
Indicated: **10:10**
